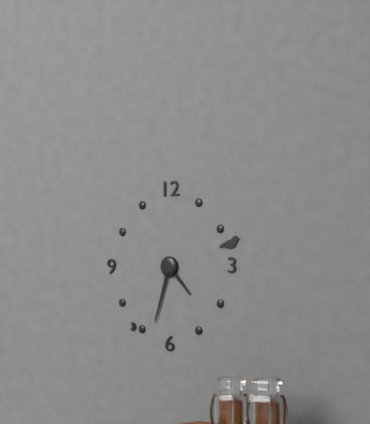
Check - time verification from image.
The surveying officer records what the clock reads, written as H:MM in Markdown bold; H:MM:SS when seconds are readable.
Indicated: **4:33**
